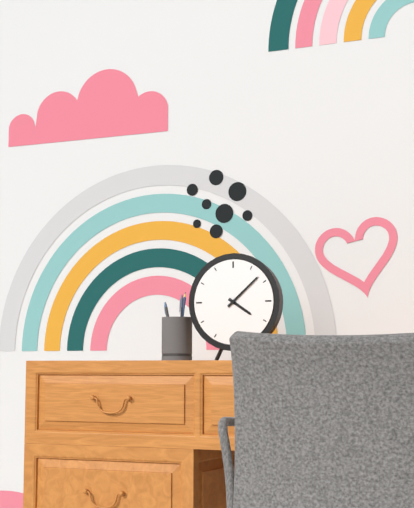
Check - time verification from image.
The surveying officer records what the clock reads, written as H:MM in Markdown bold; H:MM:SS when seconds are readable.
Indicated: **4:08**
